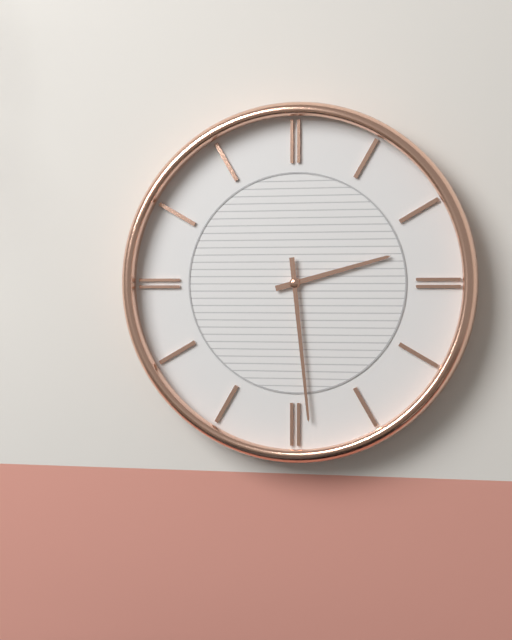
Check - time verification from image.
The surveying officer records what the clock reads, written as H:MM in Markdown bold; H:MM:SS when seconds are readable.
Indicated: **2:29**
